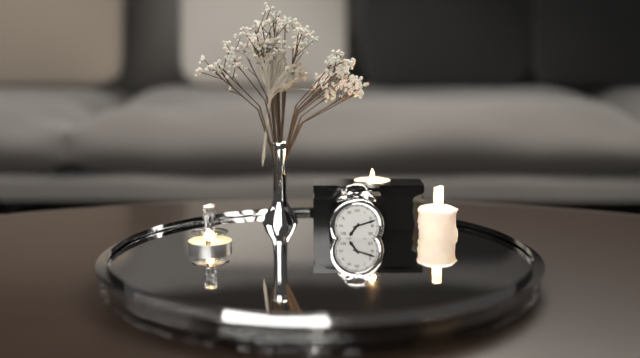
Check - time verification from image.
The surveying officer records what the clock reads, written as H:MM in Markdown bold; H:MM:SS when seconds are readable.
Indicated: **7:12**
